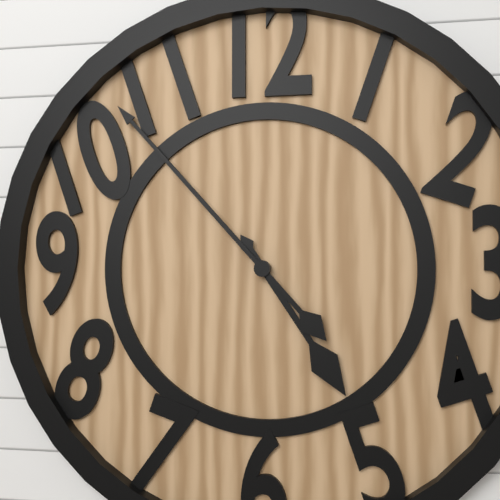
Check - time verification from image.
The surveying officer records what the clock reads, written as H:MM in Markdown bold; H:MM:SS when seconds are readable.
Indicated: **4:53**
